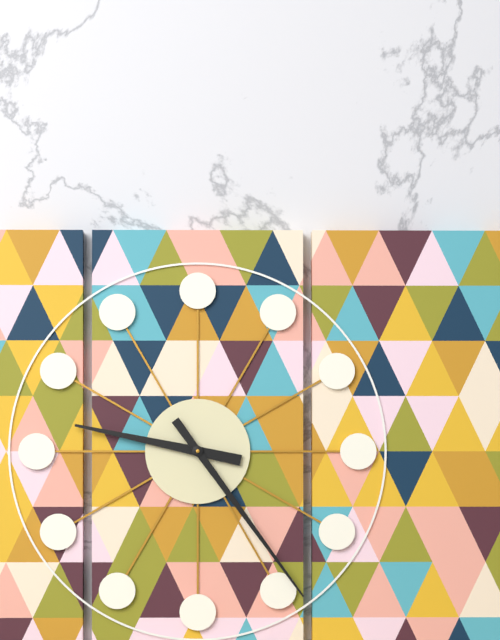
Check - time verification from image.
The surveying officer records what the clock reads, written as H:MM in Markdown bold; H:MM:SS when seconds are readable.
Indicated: **9:24**
